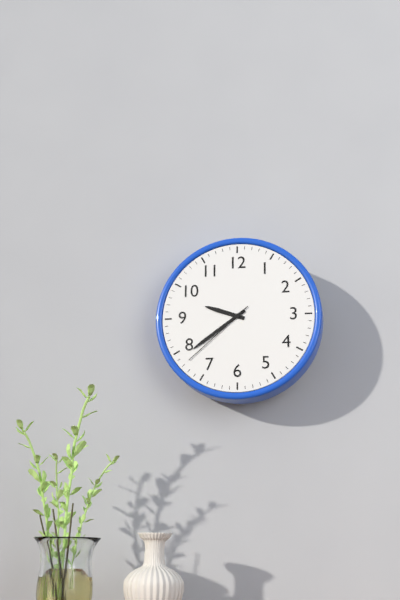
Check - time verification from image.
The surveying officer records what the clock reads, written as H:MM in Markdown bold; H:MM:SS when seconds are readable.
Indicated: **9:39:38**
